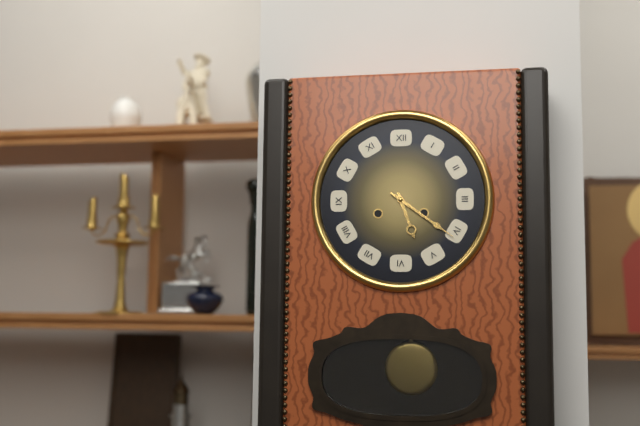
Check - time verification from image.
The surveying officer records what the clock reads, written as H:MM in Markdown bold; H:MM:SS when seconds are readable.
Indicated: **5:21**
